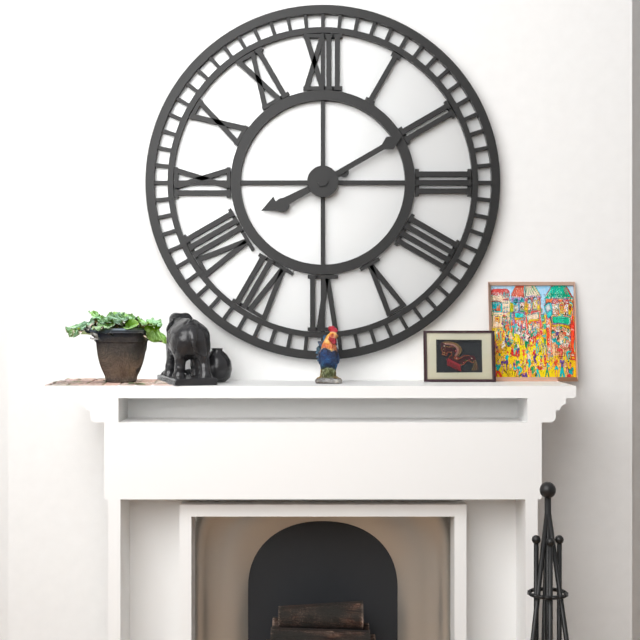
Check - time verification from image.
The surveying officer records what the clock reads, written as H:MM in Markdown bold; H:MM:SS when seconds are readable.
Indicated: **8:10**
